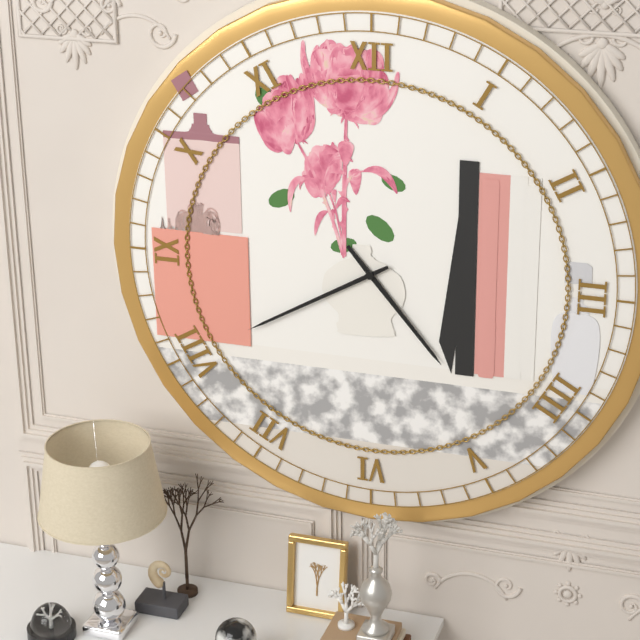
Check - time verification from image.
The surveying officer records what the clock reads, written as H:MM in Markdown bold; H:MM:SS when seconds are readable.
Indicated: **4:40**
